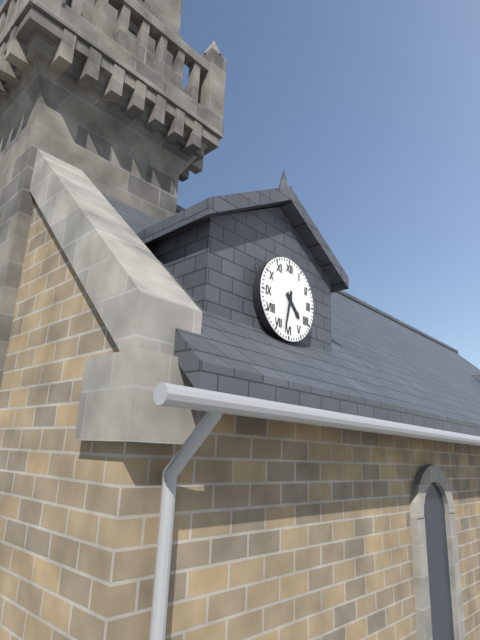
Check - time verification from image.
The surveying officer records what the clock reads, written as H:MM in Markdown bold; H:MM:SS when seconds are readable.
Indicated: **4:32**
